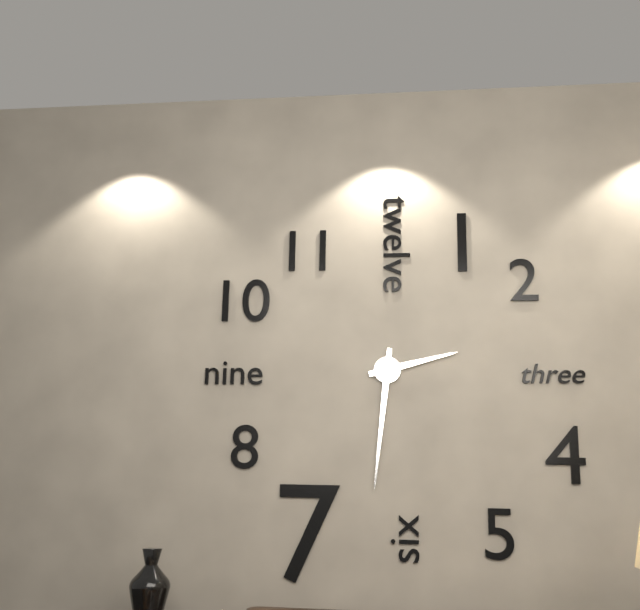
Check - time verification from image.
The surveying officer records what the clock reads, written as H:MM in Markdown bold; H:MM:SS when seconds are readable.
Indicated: **2:31**
